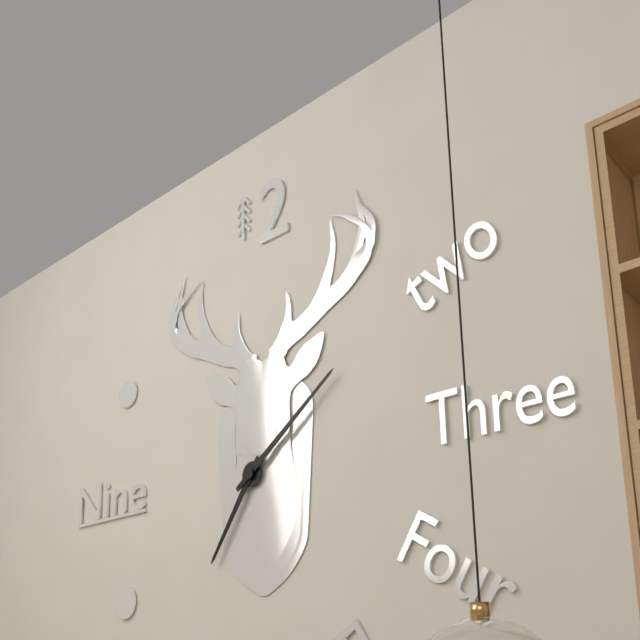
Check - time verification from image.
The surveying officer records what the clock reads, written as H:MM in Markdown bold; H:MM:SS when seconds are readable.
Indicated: **7:09**
